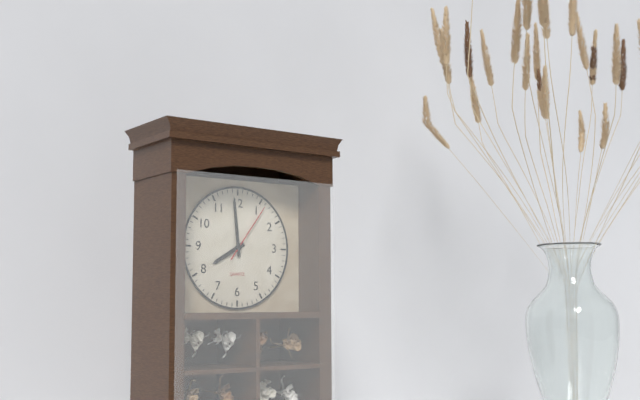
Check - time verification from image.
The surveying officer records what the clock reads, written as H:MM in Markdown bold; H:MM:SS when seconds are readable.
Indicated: **7:59:06**
